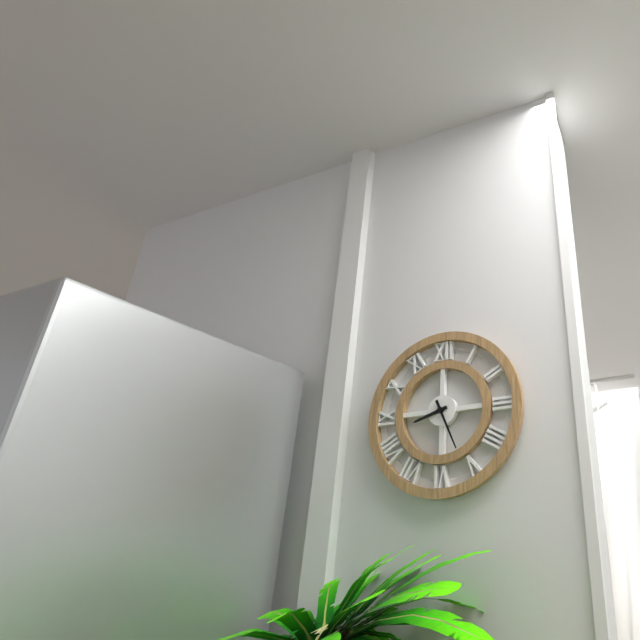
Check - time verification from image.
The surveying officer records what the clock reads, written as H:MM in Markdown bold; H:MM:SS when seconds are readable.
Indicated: **8:26**
